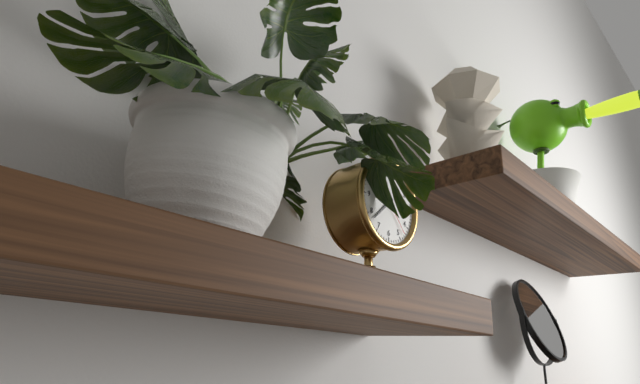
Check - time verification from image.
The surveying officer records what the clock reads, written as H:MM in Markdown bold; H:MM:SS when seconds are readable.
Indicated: **11:38**
